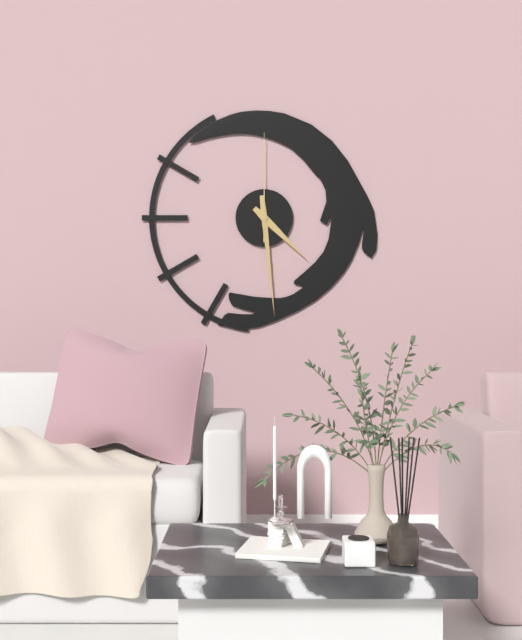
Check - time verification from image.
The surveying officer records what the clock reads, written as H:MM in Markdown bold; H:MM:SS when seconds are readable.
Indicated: **4:29:00**
